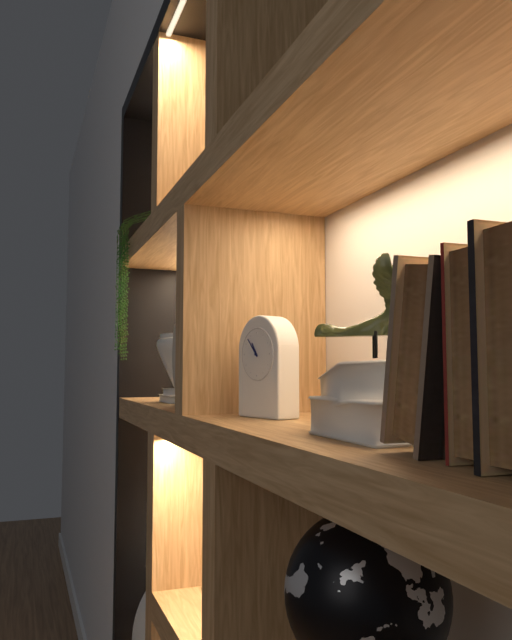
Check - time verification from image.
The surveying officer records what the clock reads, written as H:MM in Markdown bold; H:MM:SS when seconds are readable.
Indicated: **10:53**
